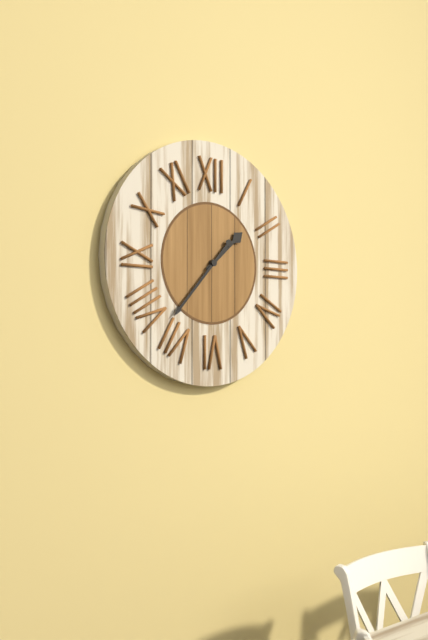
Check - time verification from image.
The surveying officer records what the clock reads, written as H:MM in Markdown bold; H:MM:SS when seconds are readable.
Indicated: **1:37**
